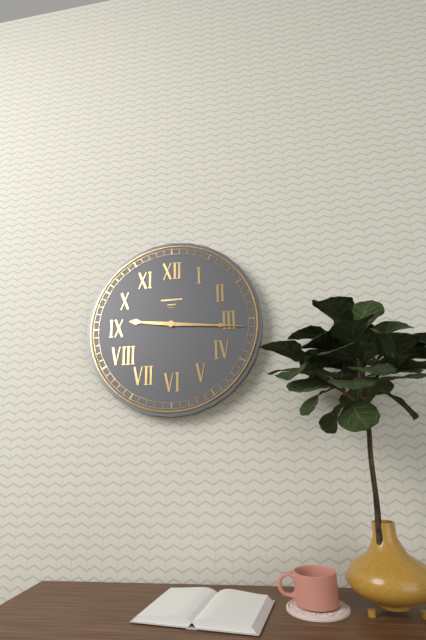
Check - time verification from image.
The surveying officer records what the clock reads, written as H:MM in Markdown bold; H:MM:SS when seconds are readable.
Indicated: **9:16**
